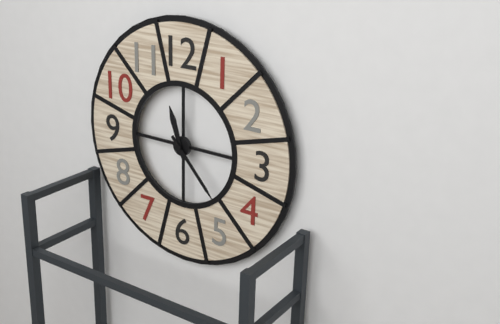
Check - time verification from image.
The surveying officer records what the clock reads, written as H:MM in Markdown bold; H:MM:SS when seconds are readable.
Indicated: **11:23**
